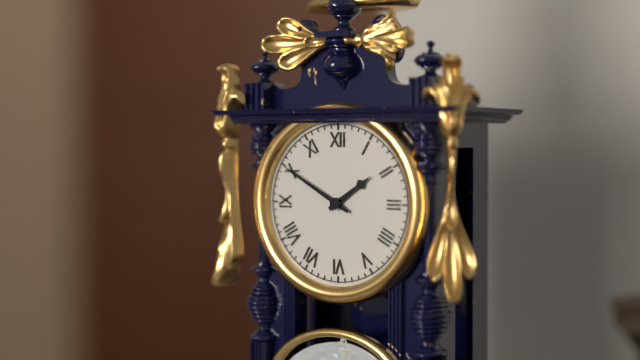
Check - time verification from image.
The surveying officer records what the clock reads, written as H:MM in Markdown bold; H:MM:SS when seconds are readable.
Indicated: **1:50**
